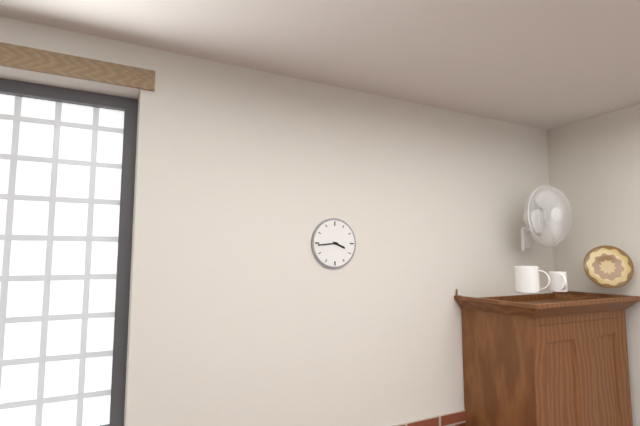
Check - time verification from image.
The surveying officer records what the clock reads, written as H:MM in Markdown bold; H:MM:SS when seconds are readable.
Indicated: **3:44**
